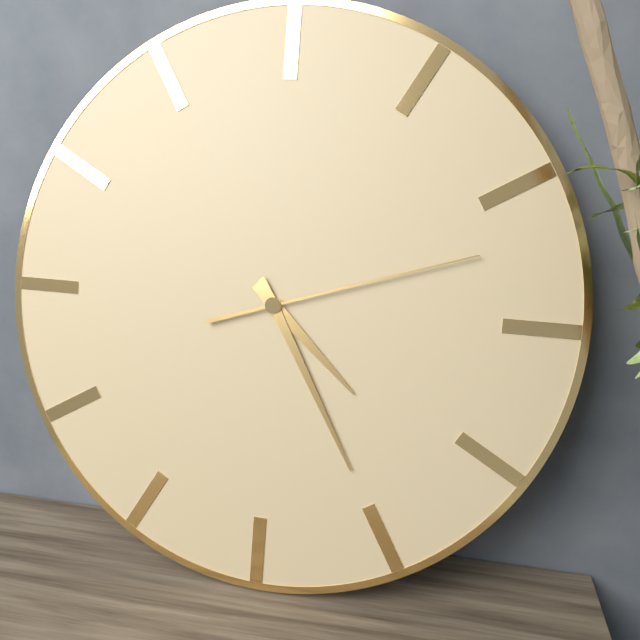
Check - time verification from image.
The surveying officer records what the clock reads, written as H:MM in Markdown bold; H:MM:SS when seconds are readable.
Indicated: **4:25:12**
